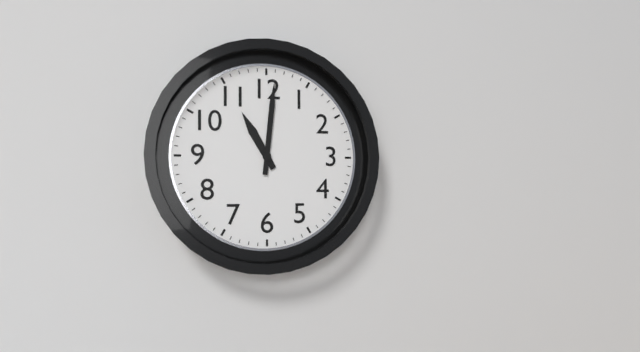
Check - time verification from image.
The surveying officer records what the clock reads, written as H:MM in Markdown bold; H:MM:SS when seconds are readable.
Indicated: **11:01**
